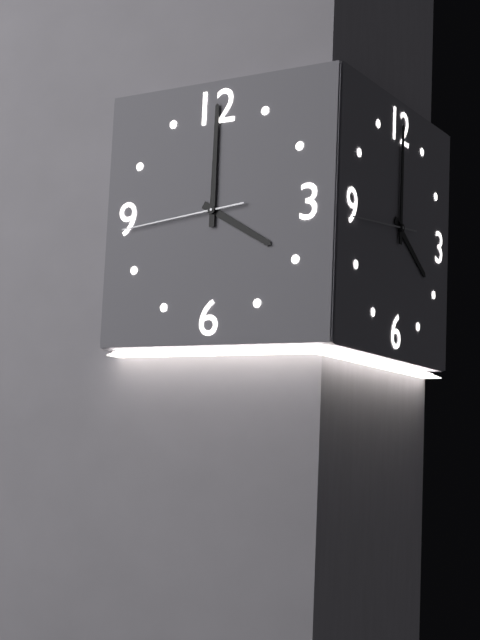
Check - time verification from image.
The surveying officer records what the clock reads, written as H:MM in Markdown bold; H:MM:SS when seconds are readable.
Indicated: **4:00:44**
